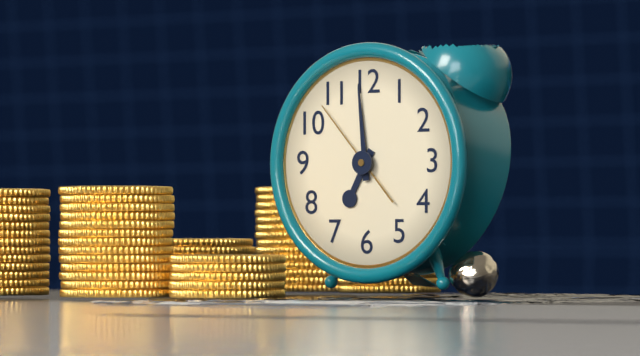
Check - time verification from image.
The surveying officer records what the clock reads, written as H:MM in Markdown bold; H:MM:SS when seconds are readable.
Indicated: **6:59:53**
